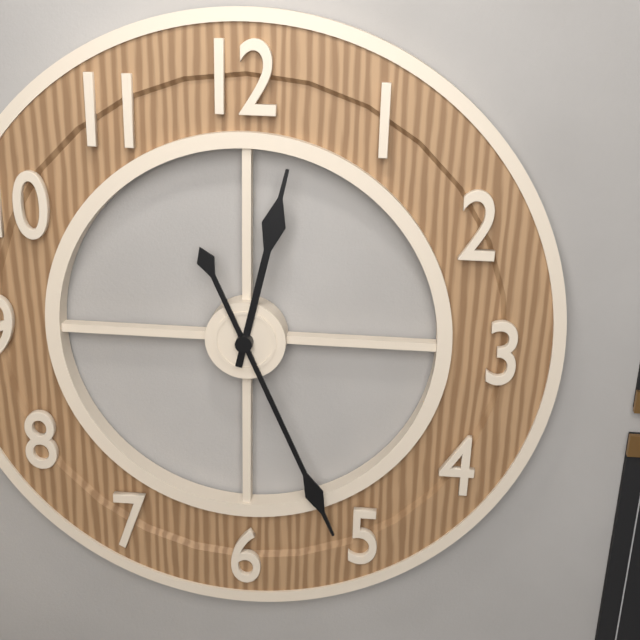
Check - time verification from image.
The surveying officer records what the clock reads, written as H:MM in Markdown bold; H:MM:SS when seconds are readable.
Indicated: **12:26**
